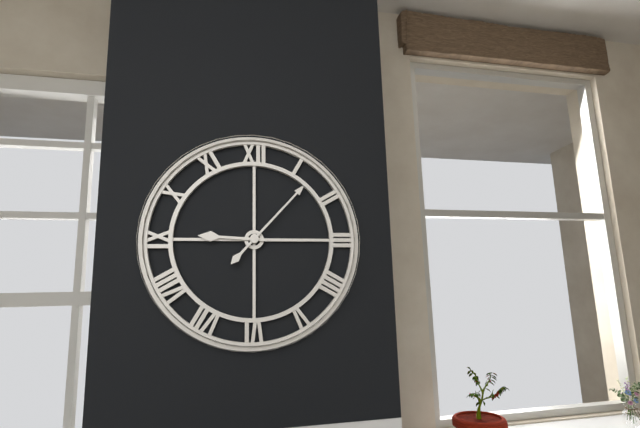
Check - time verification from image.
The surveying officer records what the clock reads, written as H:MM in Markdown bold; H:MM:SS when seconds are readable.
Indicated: **9:07**
